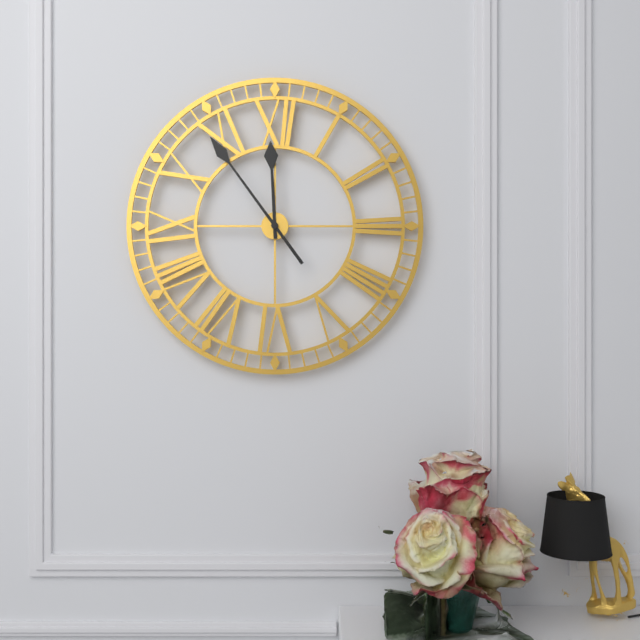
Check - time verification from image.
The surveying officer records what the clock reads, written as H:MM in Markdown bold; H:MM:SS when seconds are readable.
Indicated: **11:54**
